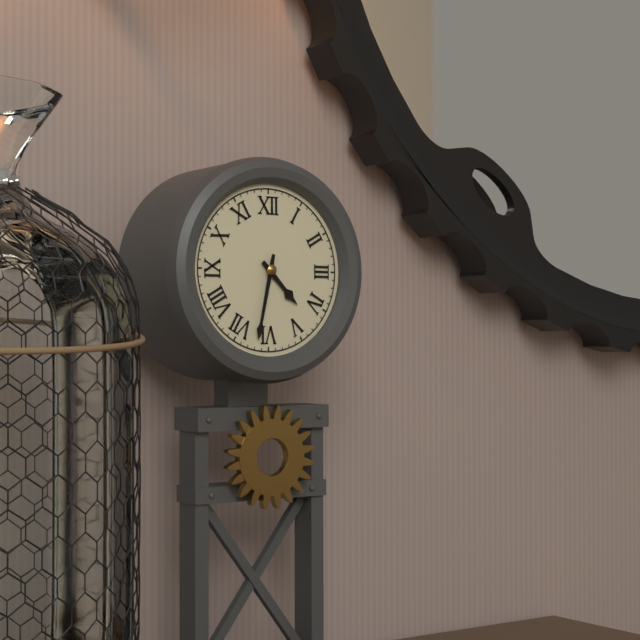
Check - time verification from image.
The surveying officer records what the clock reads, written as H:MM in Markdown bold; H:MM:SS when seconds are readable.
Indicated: **4:32**
